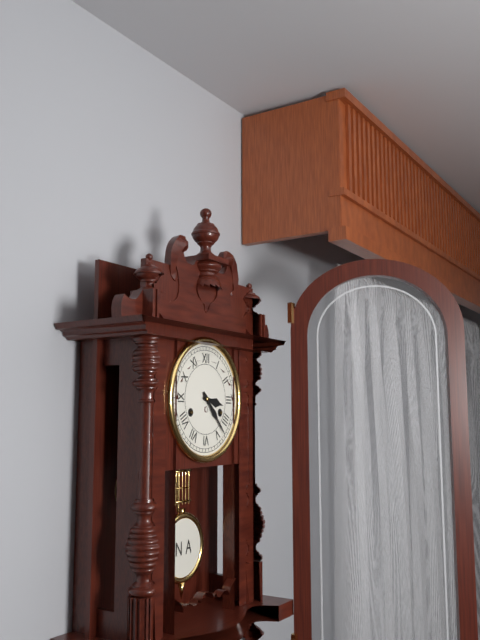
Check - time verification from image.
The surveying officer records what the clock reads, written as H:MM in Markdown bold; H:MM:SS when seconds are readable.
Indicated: **3:23**
